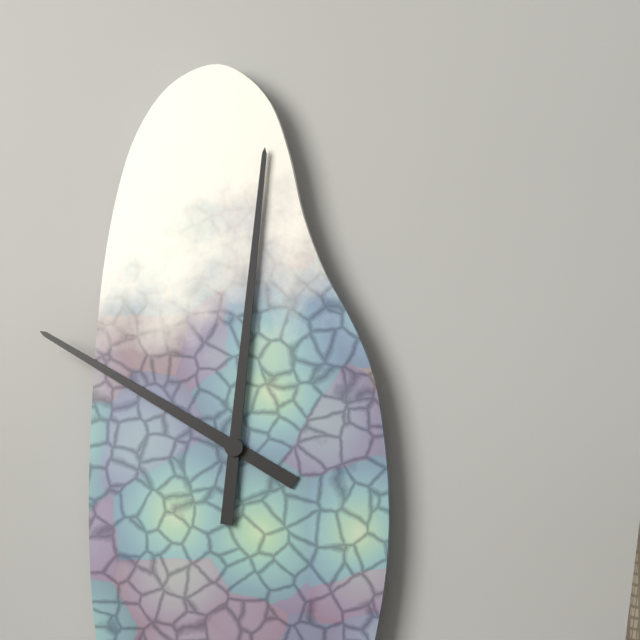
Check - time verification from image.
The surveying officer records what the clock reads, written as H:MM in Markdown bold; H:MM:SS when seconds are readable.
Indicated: **10:01**
